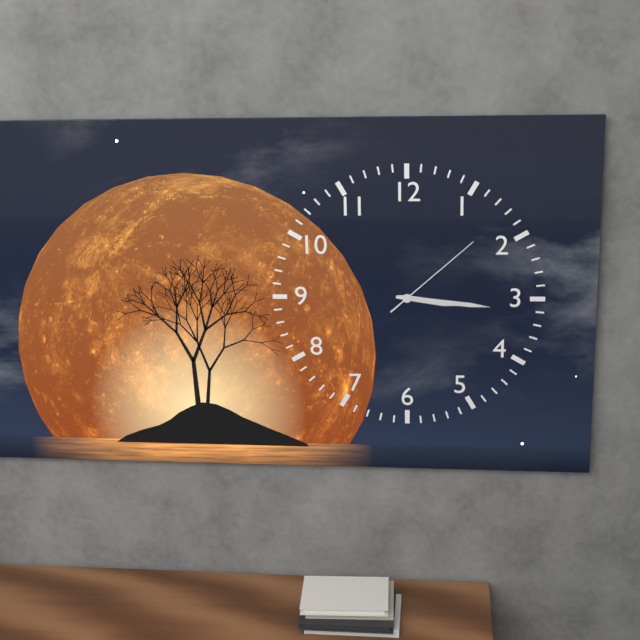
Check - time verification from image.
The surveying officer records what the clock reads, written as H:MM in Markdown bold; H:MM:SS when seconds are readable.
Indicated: **3:16:08**
